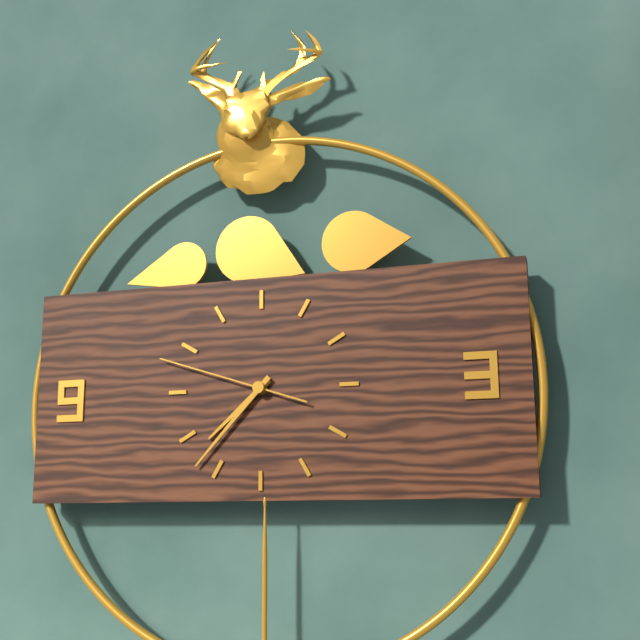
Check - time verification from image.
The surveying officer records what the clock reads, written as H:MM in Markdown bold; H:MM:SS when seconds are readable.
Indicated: **7:37:48**
